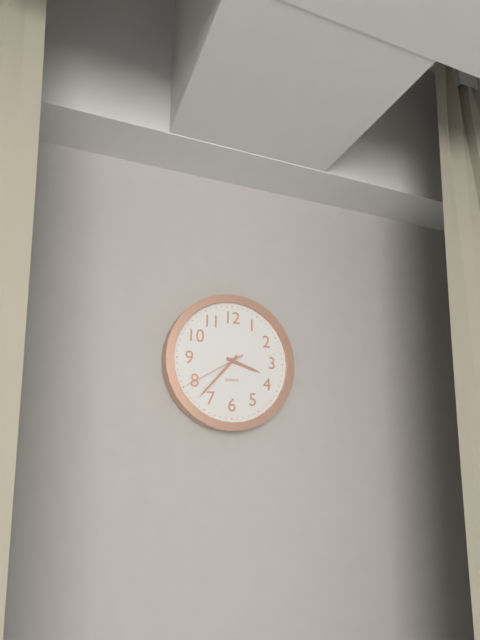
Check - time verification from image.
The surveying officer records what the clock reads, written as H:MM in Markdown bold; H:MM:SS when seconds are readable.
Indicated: **3:37:40**
